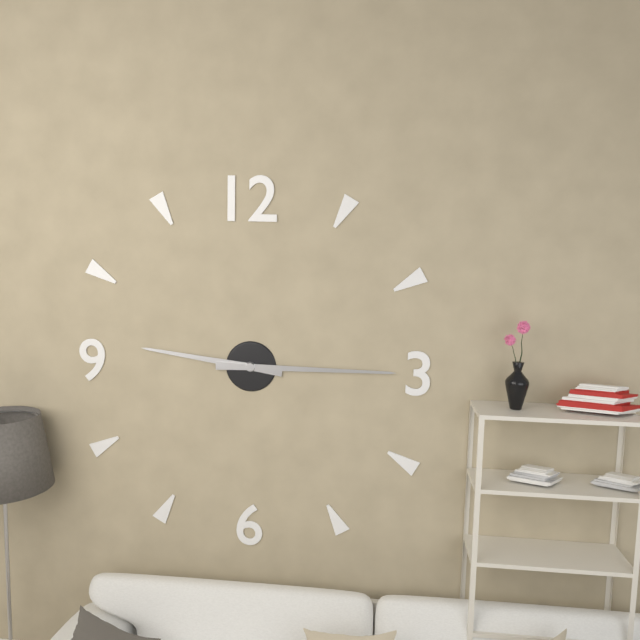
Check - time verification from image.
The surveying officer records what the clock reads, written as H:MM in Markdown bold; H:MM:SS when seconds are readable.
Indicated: **9:15**
